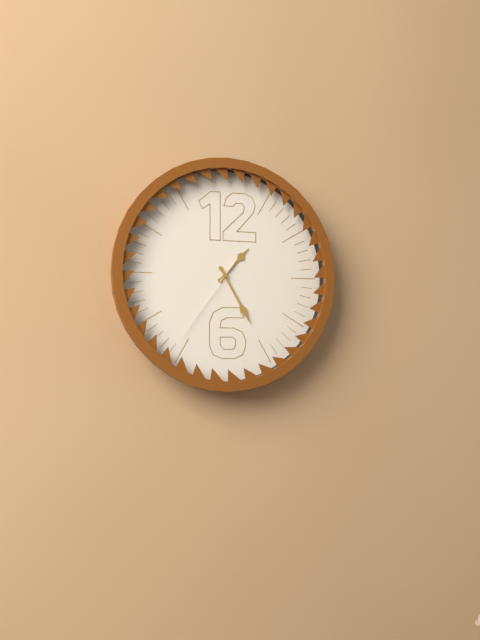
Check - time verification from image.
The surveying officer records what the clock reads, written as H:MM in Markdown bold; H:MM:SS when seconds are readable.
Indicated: **1:25:36**
